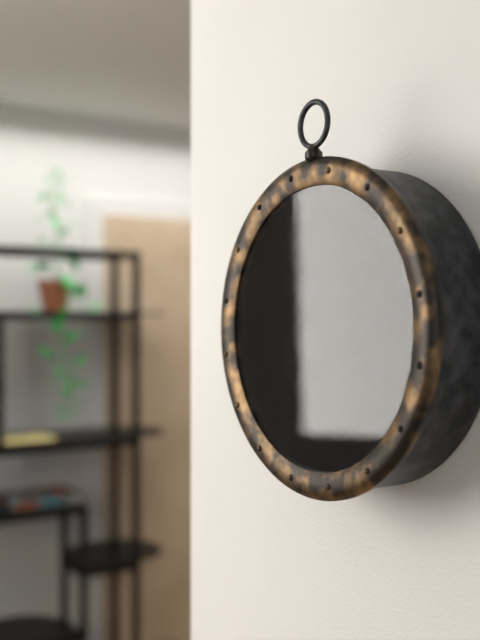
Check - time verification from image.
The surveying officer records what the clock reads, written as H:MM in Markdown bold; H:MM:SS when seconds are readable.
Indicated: **1:23**
